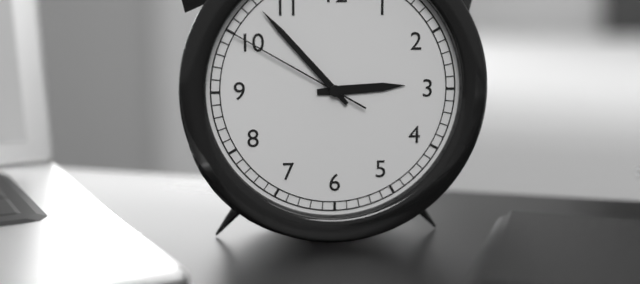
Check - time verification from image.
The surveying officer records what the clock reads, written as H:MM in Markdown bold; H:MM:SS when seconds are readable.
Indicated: **2:53:50**
